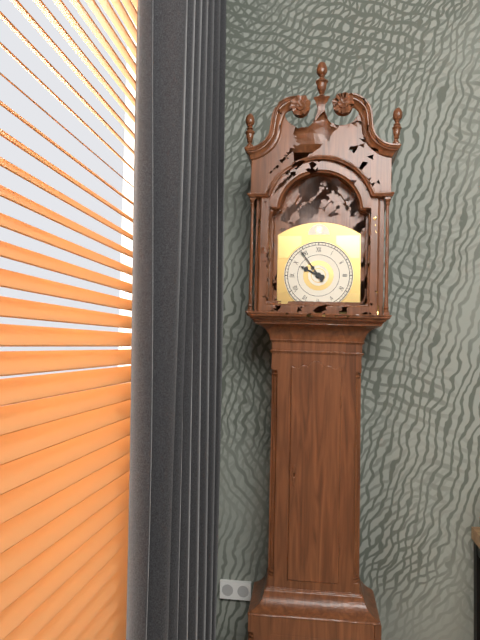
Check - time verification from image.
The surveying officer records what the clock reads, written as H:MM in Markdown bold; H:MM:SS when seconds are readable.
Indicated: **9:54**
